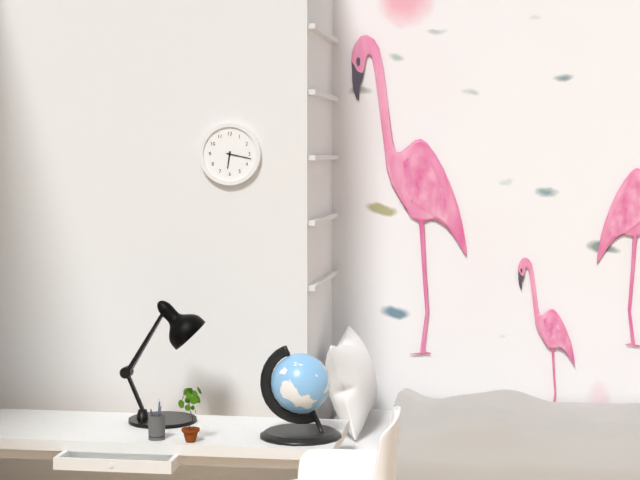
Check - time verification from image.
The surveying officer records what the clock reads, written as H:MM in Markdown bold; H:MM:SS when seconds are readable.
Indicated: **6:17**
